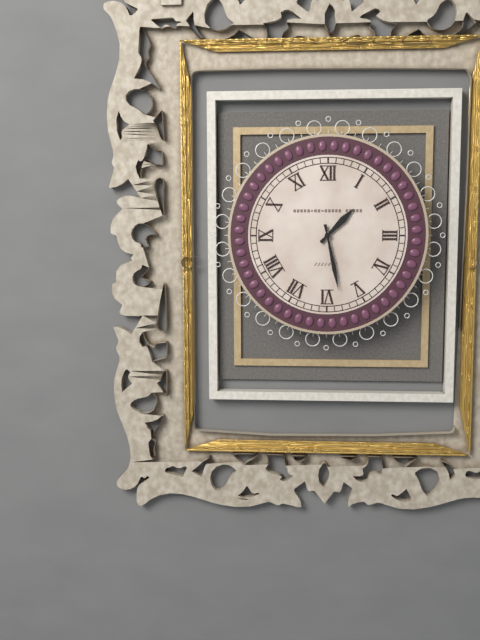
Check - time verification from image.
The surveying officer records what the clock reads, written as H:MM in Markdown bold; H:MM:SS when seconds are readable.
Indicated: **1:28**
